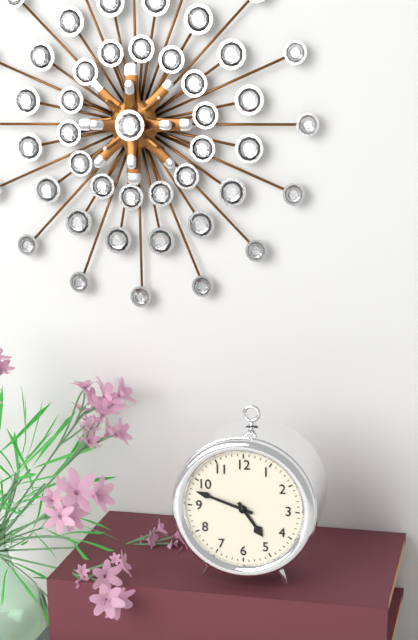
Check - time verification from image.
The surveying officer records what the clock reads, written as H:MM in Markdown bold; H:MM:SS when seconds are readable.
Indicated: **4:48**
